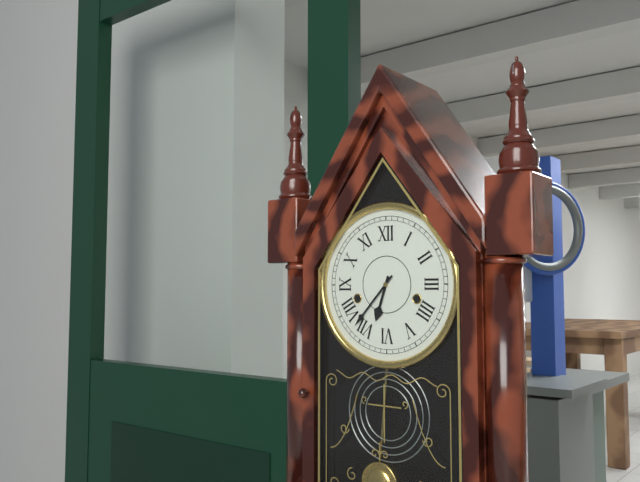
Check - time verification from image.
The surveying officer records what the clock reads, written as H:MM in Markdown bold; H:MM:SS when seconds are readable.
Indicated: **6:37**
